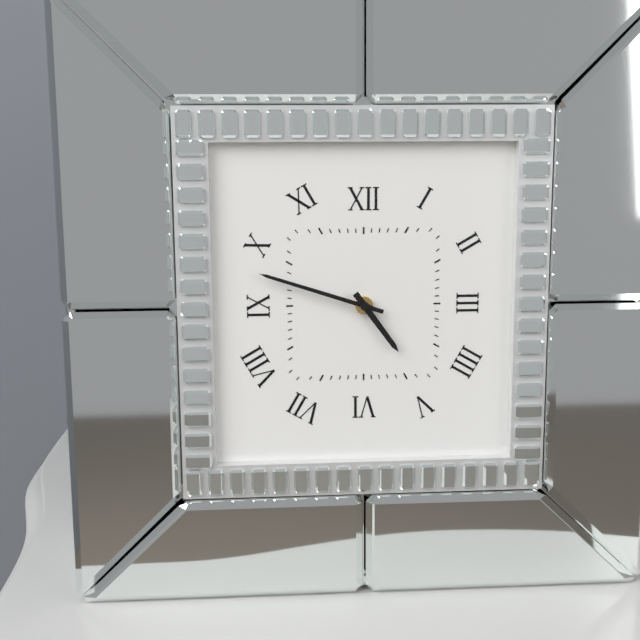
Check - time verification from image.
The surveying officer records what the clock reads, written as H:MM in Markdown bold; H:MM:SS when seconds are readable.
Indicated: **4:48**
